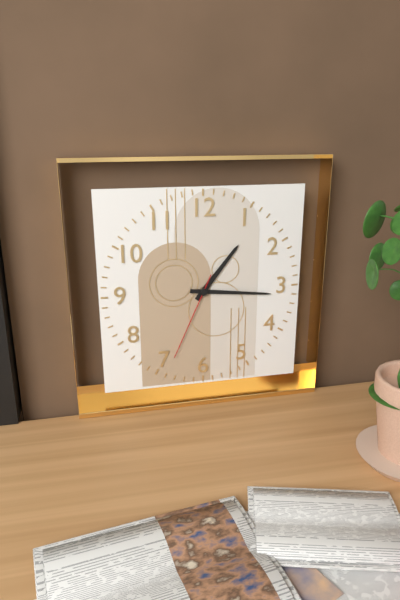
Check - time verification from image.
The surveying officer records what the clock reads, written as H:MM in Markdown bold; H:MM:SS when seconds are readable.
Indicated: **1:16:34**
